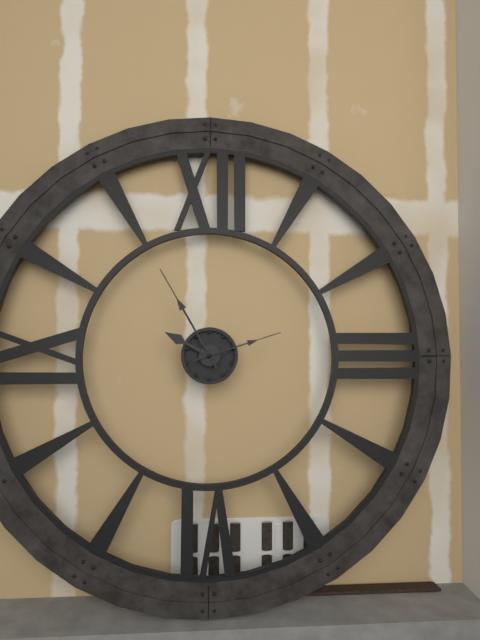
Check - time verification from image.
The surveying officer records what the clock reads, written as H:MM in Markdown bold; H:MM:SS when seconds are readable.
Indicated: **9:55:12**
